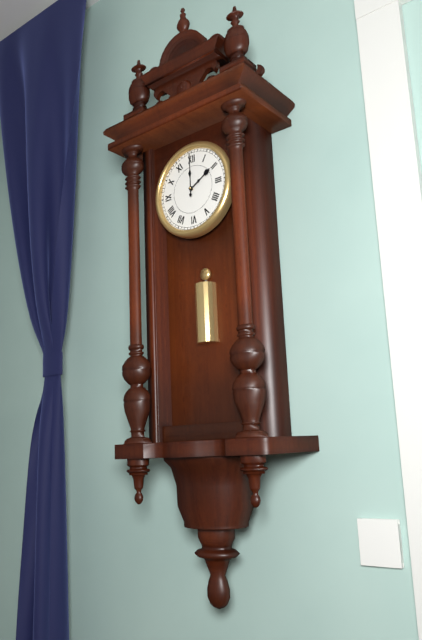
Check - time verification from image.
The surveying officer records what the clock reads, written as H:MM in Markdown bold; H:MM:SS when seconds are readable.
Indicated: **2:00**
